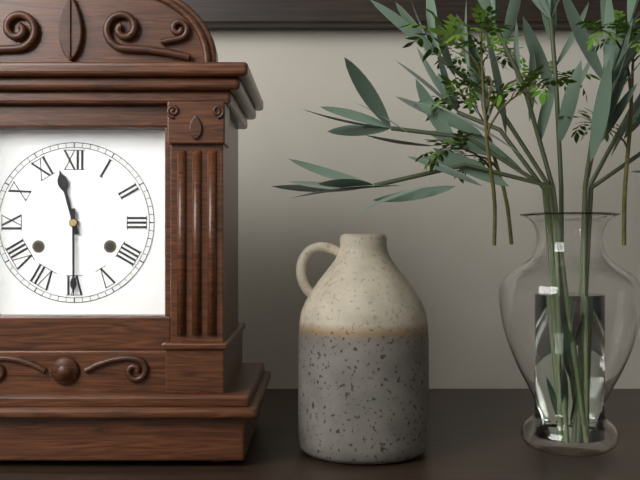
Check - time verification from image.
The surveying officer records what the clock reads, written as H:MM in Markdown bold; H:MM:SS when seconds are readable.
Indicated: **11:30**
